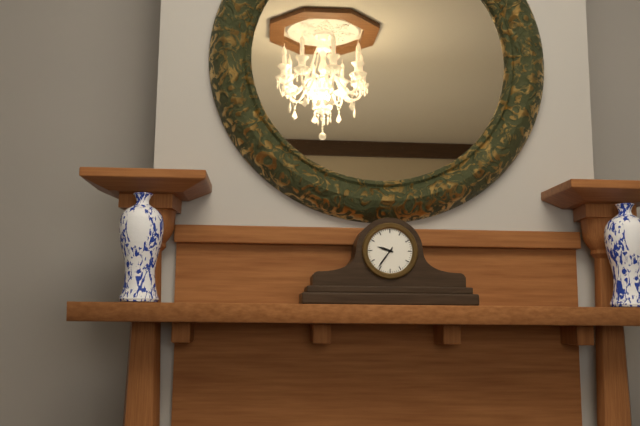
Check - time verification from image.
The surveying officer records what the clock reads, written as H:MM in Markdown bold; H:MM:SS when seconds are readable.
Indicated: **9:36**
